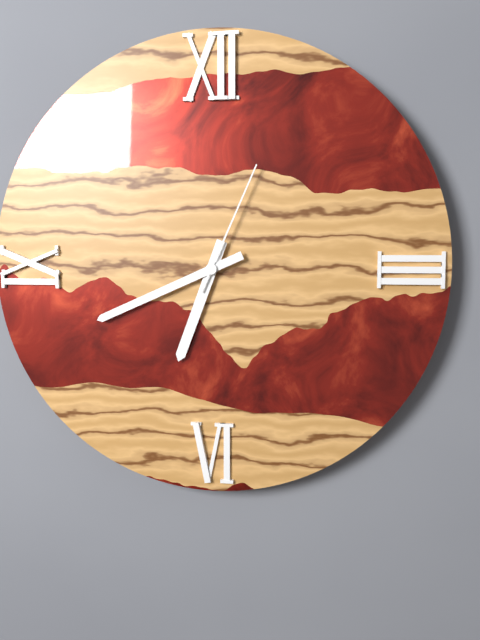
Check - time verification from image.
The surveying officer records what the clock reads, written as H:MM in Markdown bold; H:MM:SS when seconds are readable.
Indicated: **6:41:04**
